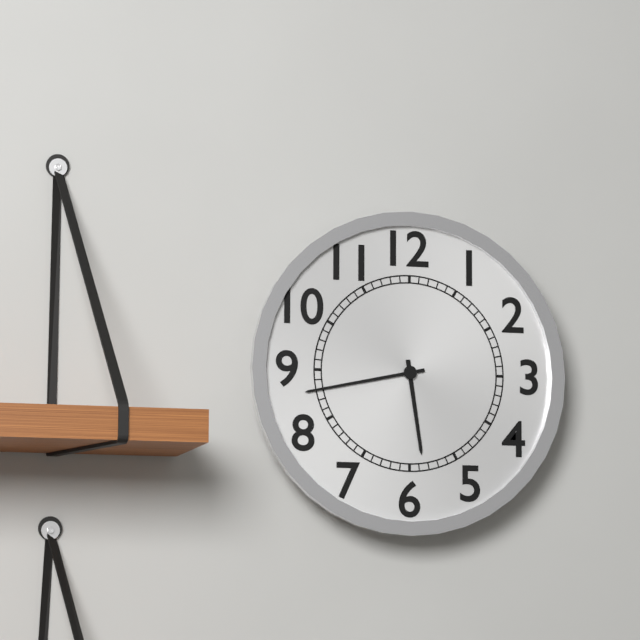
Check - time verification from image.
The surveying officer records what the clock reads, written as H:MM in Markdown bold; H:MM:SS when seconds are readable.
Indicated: **5:43**
